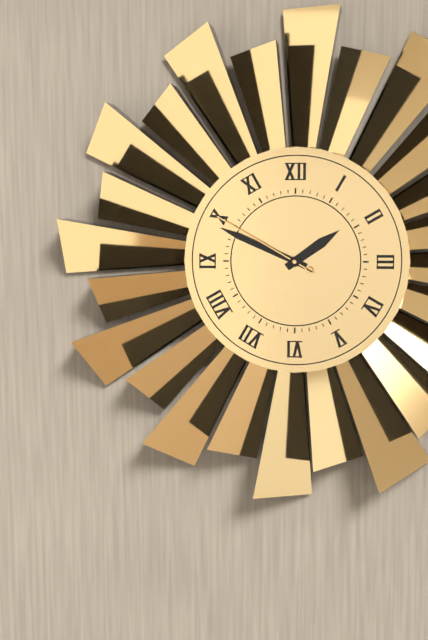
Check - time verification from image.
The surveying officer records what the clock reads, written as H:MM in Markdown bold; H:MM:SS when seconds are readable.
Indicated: **1:49:50**
